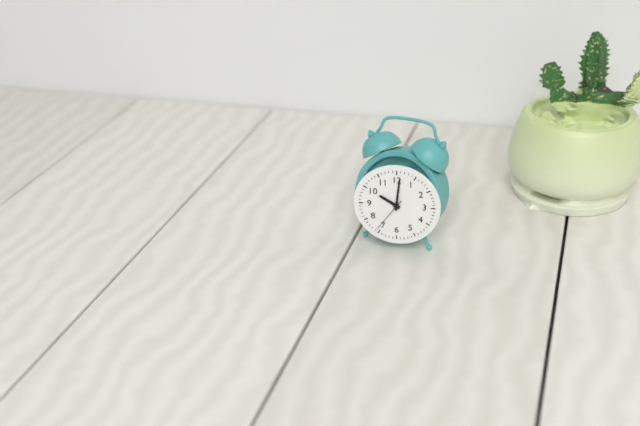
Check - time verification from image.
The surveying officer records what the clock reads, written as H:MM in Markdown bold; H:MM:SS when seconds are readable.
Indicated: **10:01**
